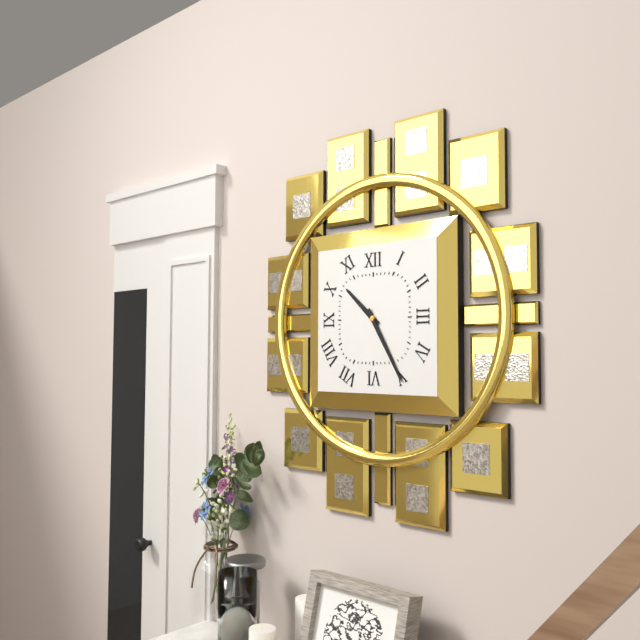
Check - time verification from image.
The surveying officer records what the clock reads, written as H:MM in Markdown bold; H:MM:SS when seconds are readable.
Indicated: **10:25**
